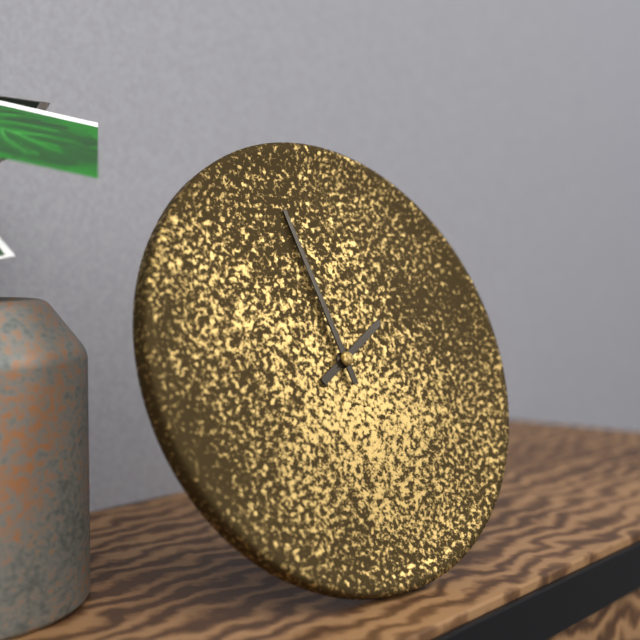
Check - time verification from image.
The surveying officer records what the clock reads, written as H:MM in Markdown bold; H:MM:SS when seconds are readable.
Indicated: **1:58**
